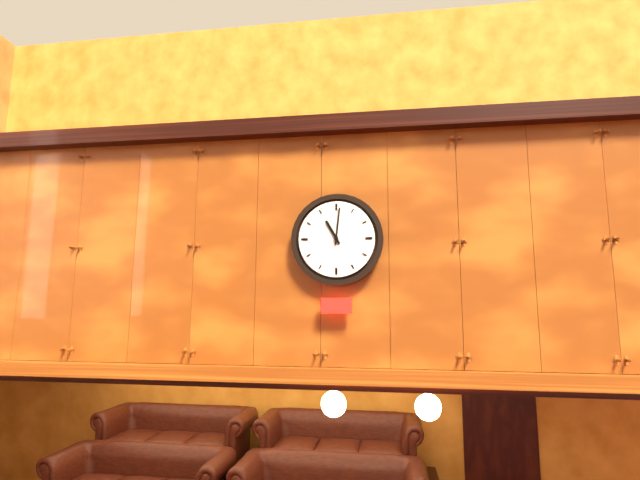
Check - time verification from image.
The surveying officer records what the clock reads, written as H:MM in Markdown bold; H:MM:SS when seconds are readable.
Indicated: **11:01**
